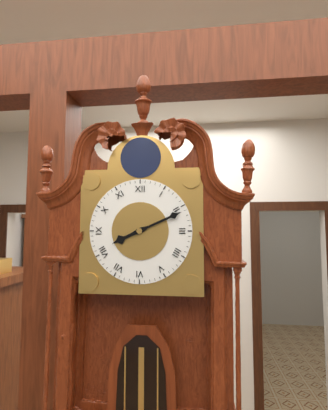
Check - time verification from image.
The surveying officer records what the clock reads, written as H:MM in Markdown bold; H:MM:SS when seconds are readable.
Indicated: **8:11**
